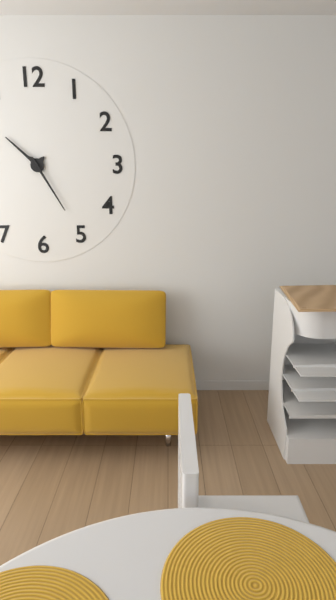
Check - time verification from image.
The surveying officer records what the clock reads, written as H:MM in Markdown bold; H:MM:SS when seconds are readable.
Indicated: **10:25**
